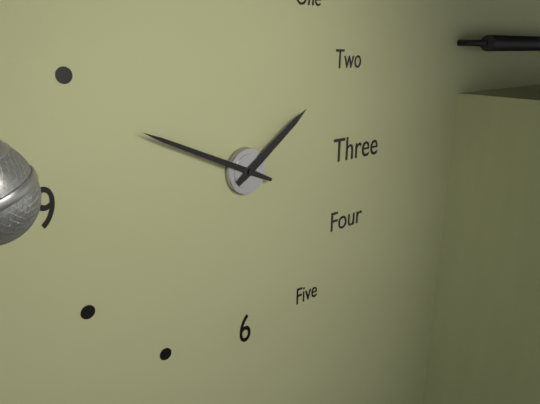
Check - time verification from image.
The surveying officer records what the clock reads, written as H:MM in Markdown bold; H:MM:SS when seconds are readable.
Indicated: **1:49**
